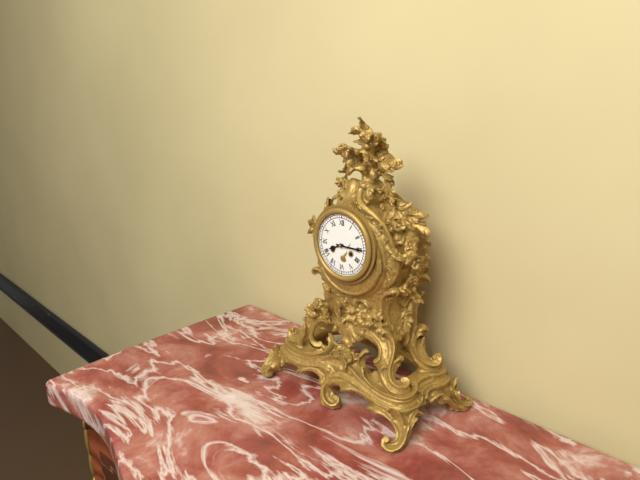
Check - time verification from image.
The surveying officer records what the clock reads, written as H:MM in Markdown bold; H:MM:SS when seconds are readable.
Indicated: **8:15**
